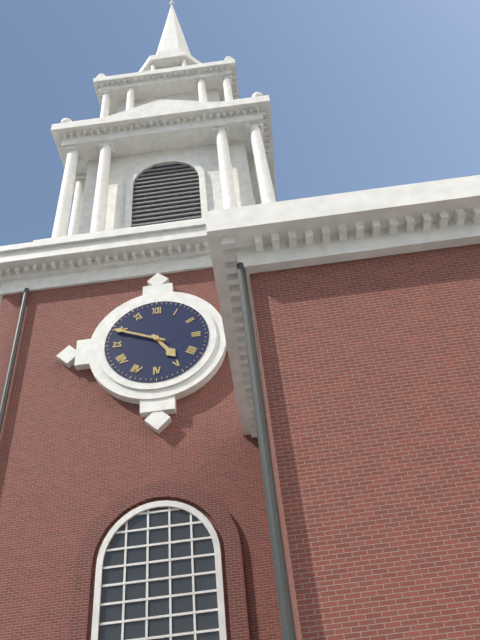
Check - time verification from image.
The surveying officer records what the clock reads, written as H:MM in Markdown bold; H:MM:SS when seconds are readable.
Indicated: **4:49**
